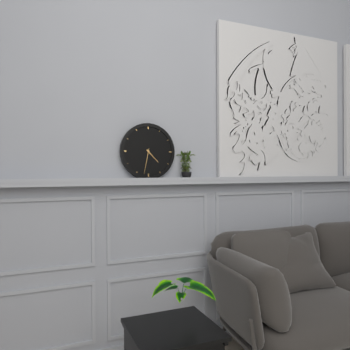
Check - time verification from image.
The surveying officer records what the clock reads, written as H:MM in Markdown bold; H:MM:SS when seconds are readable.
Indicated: **4:32**
